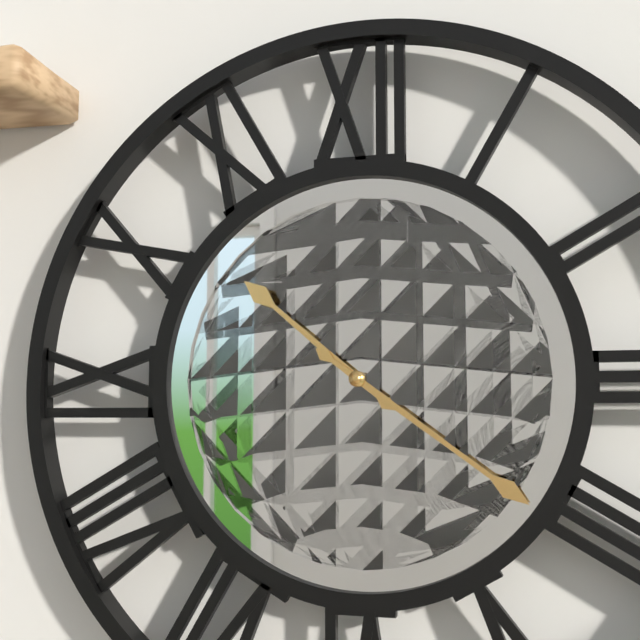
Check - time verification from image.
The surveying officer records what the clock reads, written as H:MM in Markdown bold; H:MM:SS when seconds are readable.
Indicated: **10:21**
